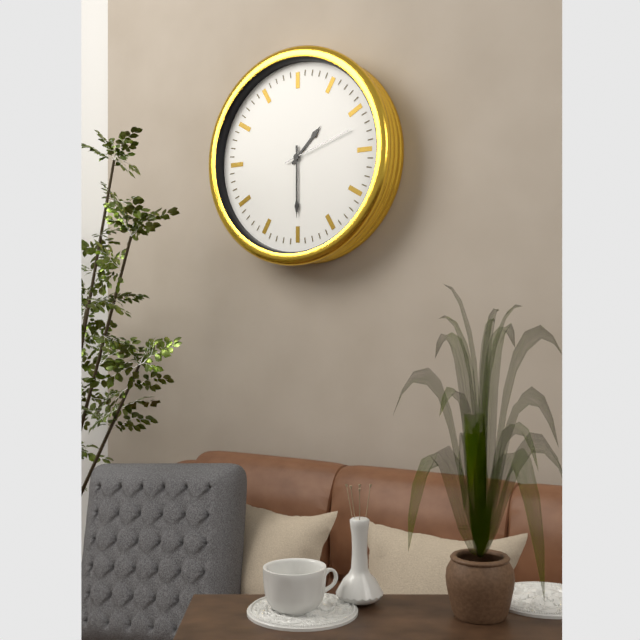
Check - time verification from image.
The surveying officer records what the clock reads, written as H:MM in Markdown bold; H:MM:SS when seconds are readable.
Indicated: **1:30:12**
